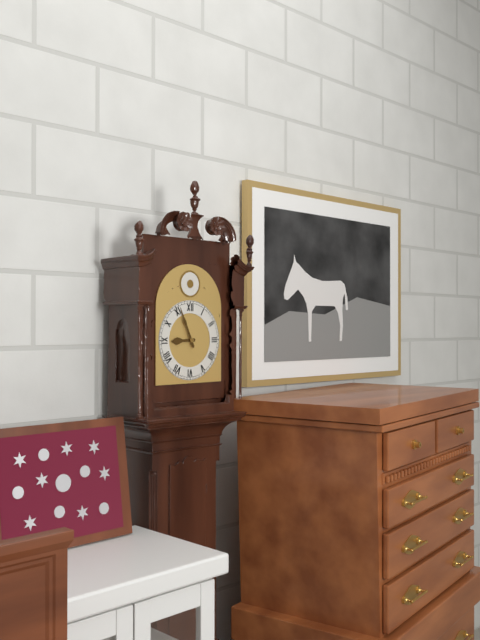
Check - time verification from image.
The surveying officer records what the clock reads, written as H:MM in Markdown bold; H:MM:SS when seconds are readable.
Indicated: **8:56**
